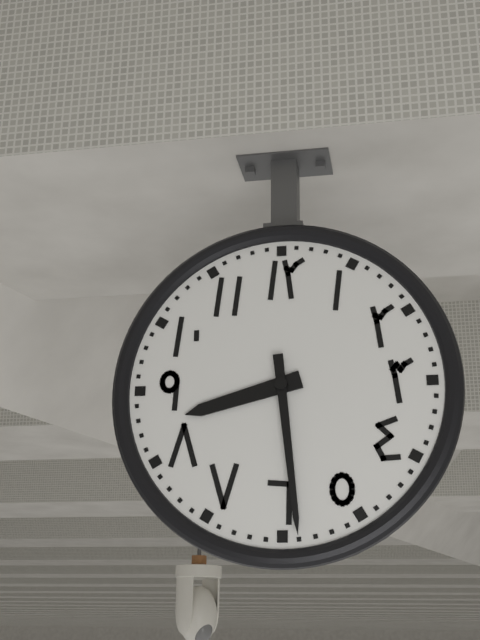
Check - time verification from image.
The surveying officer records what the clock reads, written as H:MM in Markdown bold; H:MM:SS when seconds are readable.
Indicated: **8:29**
